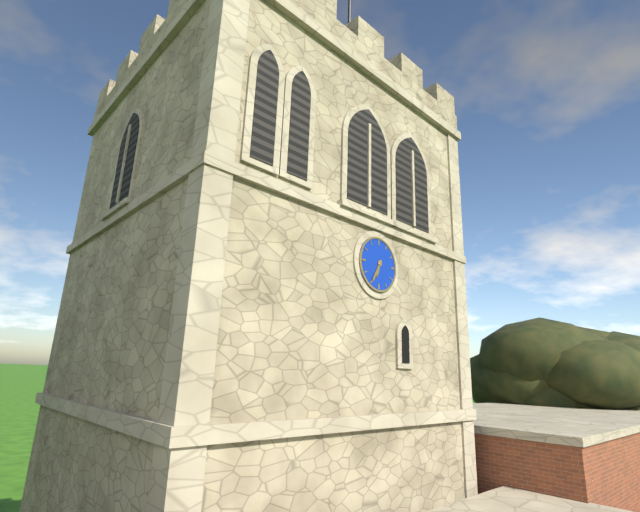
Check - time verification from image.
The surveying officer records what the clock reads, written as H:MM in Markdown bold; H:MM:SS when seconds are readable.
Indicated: **6:35**
